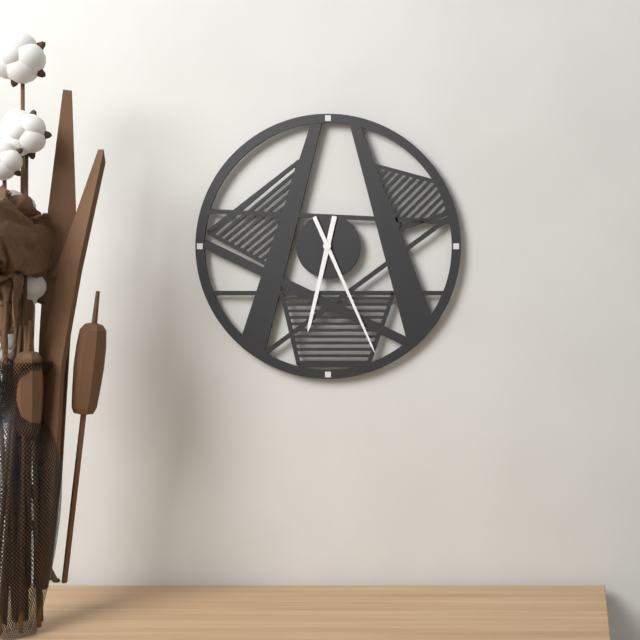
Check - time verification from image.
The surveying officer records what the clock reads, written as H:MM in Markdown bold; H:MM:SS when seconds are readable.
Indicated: **6:26**
